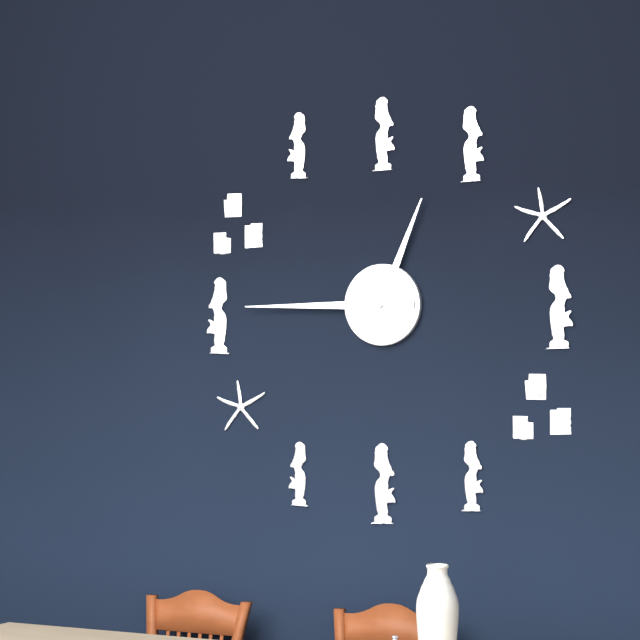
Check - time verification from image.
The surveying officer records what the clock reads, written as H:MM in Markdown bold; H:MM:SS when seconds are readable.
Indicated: **12:45**
